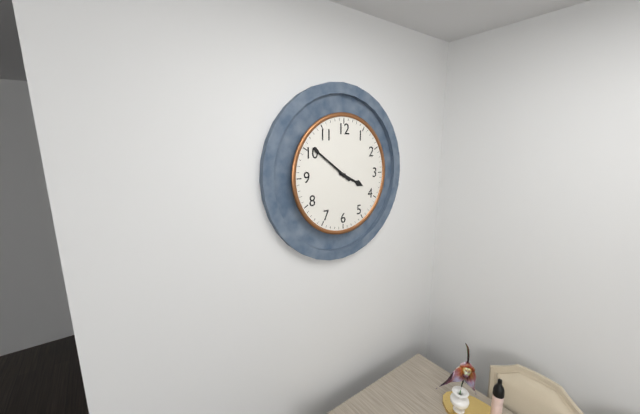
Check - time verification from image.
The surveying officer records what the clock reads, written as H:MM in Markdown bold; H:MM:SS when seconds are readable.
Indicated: **3:51**
